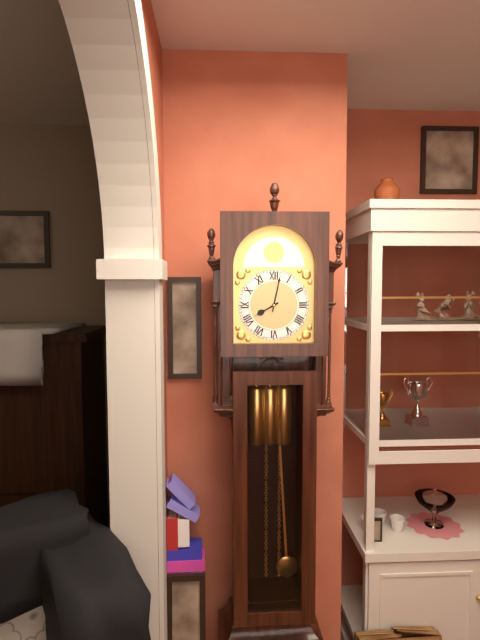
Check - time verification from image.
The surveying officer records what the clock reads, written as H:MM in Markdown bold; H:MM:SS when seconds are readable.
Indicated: **8:02**
